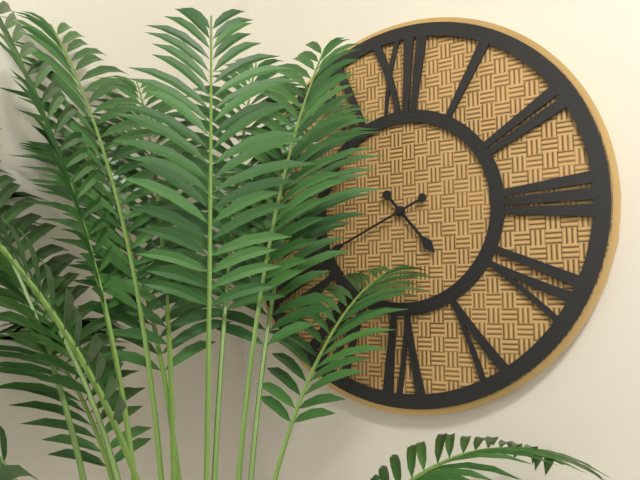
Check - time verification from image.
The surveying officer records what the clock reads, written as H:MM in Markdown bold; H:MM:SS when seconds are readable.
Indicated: **4:41**
